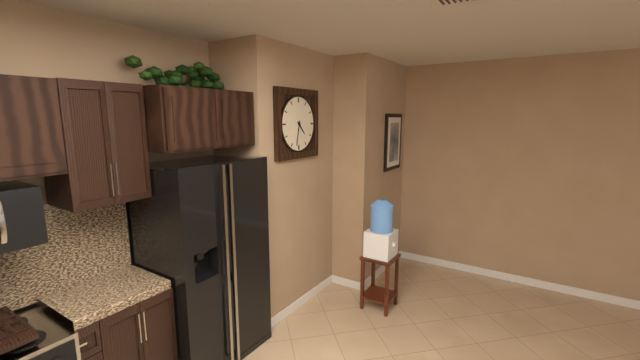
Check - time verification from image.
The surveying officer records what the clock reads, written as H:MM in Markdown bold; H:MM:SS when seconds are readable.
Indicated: **4:32**
